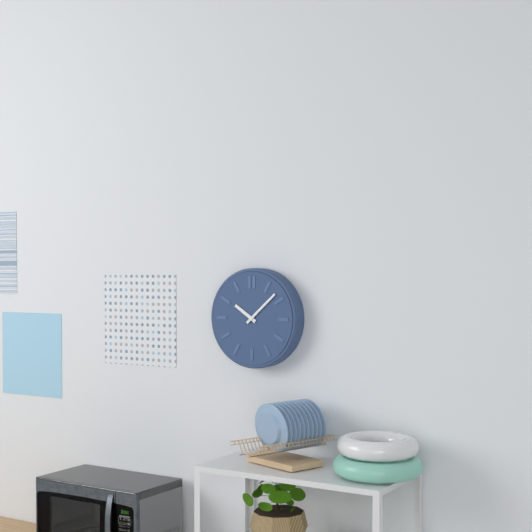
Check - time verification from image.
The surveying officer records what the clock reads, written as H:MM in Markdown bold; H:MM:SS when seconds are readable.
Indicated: **10:08**
